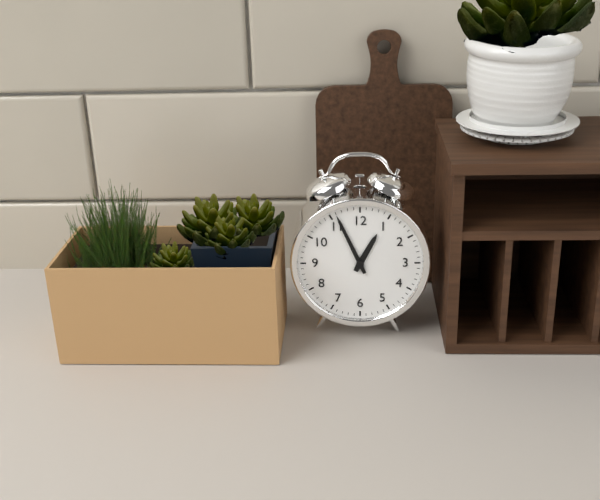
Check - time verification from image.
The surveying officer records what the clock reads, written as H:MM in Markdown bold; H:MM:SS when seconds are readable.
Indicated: **12:56**
